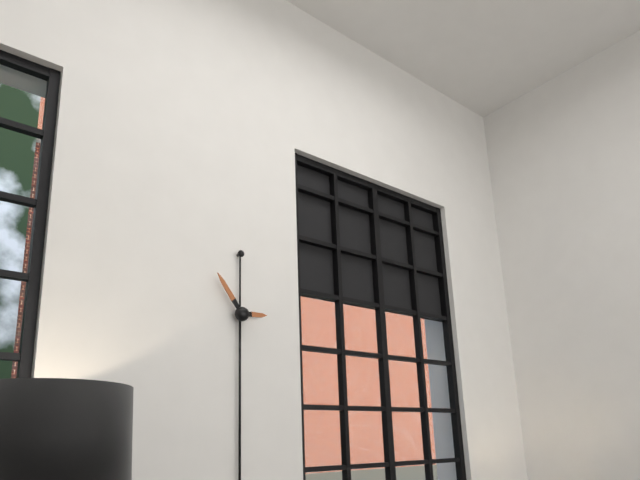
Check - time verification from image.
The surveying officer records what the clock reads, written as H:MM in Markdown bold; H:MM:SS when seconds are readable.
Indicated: **2:54**
